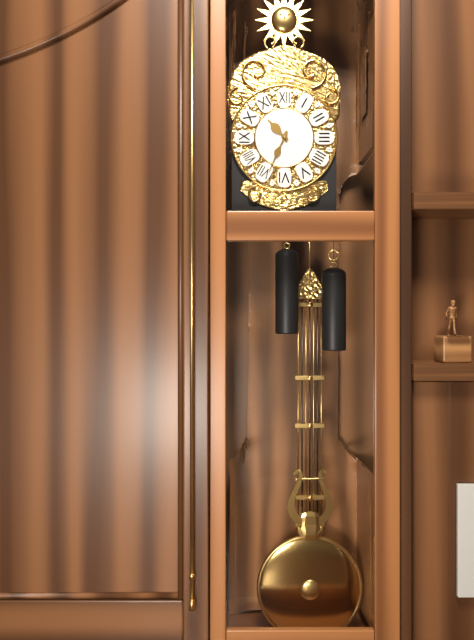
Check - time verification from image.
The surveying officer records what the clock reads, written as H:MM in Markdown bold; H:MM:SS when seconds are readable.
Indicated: **10:34**
